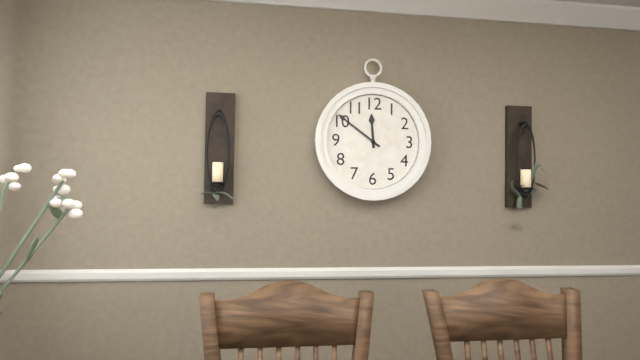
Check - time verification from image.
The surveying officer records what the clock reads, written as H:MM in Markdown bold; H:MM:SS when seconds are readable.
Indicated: **11:51**
